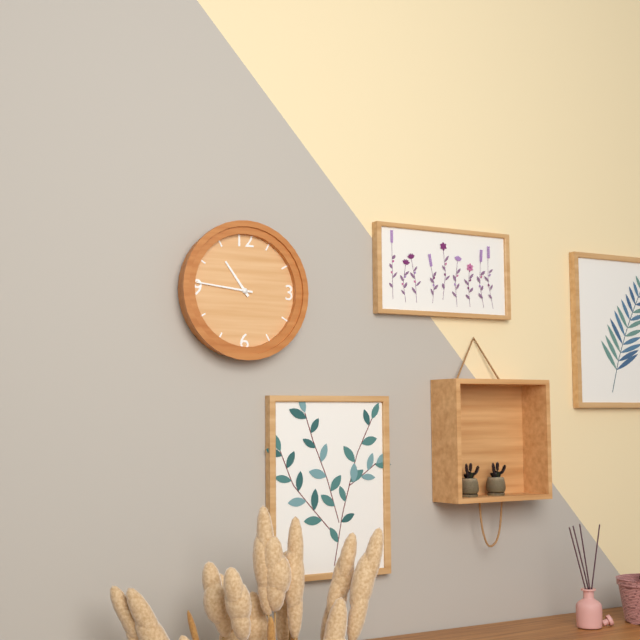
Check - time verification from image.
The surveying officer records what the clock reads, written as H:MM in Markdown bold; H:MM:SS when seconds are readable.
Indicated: **10:46**
